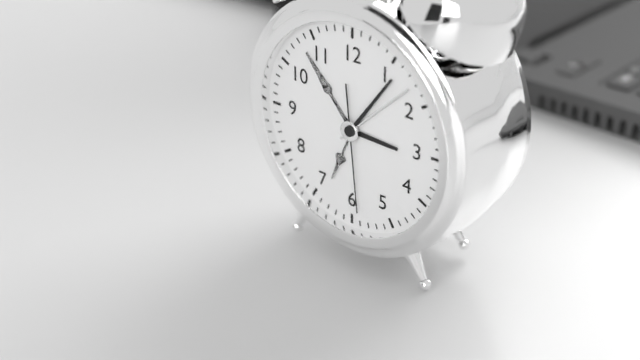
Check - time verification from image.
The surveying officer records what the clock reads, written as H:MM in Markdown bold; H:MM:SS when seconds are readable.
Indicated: **3:06:29**
